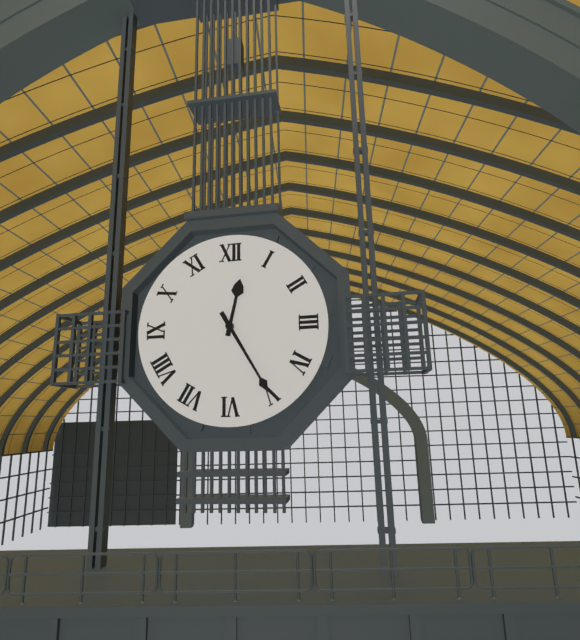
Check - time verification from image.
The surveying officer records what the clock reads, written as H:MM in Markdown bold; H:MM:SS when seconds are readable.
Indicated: **12:25**
